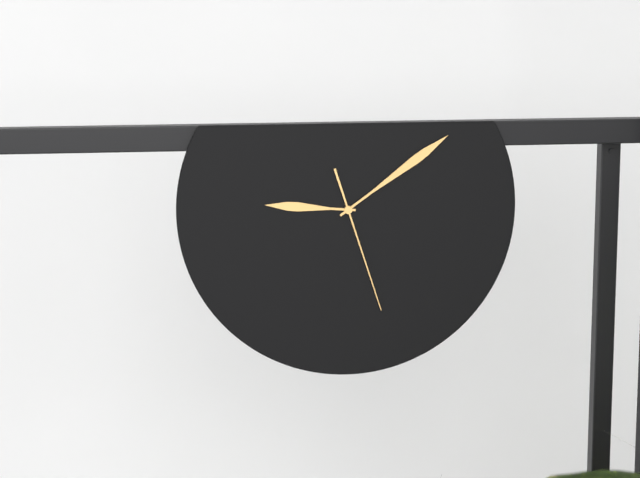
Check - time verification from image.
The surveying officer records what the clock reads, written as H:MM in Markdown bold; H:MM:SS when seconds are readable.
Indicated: **9:09:27**
